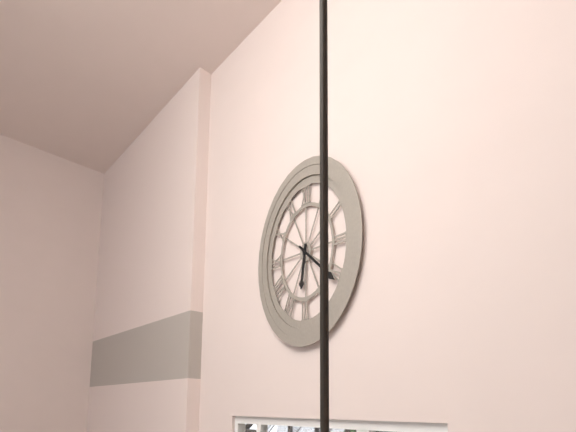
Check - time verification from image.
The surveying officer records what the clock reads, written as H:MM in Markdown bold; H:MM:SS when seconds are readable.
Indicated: **6:21**
